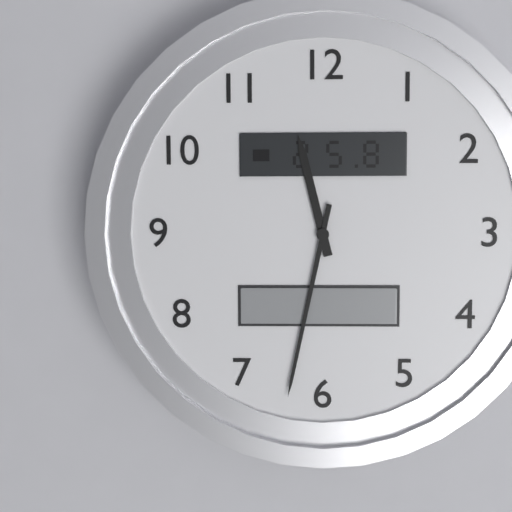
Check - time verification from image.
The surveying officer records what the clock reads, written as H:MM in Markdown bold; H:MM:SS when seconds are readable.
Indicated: **11:32**
